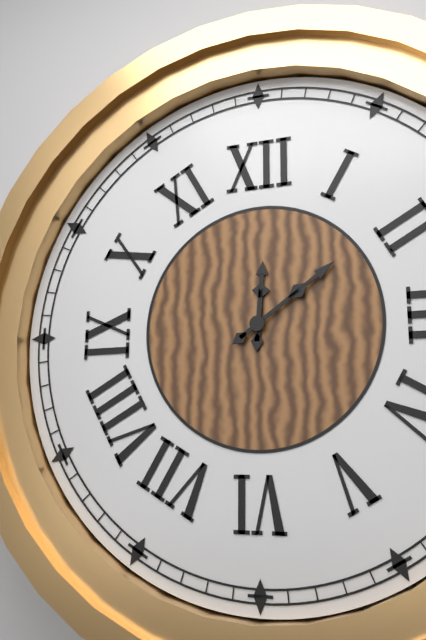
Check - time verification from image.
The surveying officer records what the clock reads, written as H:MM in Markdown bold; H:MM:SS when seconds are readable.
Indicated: **12:09**
